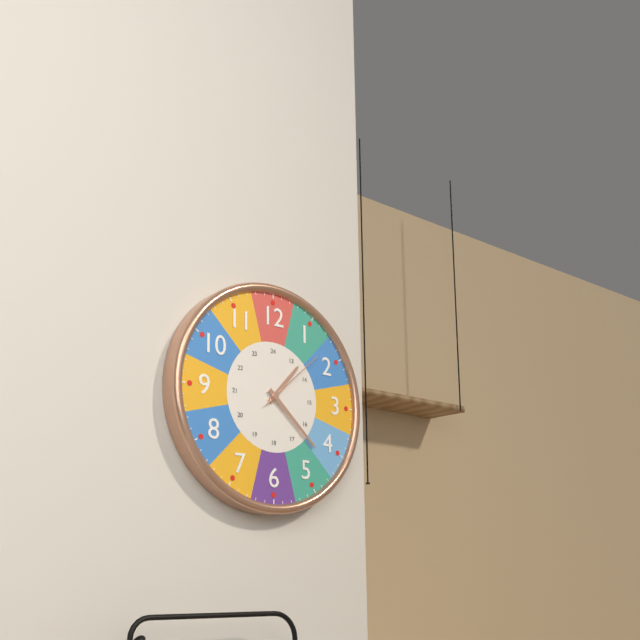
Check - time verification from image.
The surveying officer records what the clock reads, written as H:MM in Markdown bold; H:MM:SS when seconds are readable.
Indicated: **1:22:08**
